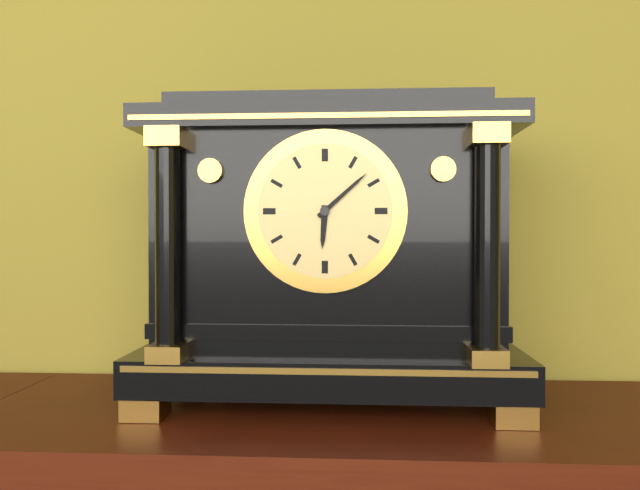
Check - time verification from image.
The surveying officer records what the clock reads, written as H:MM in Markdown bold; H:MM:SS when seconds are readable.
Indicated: **6:08**
